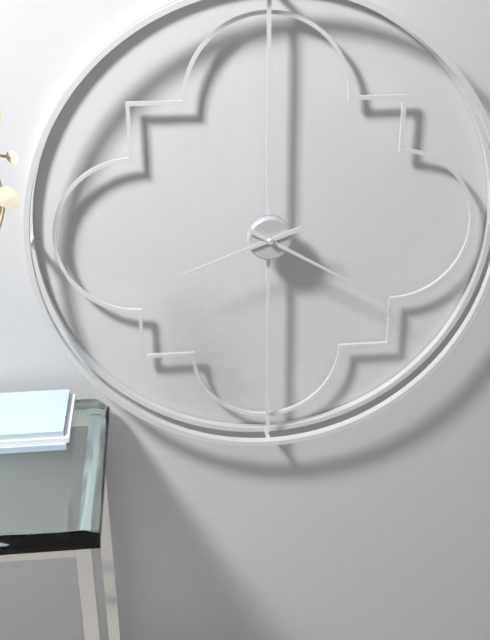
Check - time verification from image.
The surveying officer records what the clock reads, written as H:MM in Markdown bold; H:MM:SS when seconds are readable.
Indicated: **8:20**
